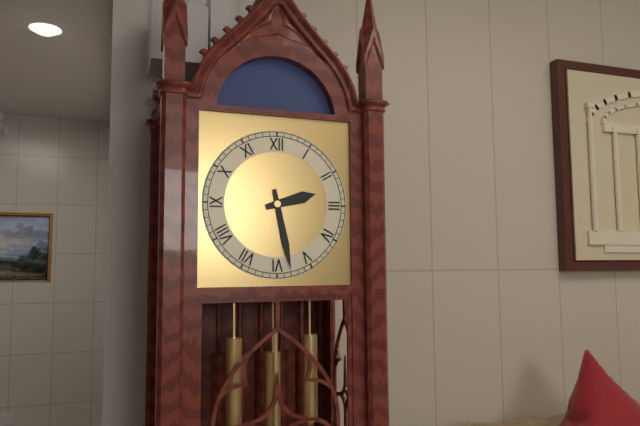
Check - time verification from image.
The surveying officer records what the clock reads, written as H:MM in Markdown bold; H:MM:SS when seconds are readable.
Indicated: **2:28**
